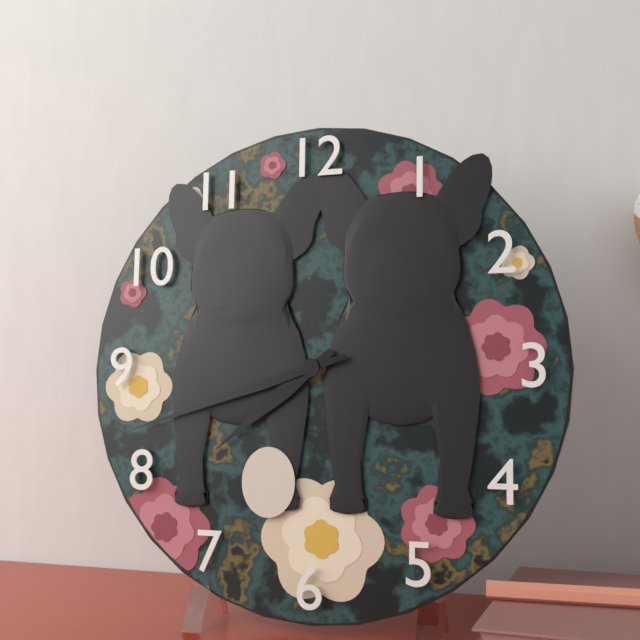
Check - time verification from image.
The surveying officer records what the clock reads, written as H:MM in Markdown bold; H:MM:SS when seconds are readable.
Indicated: **7:42**
